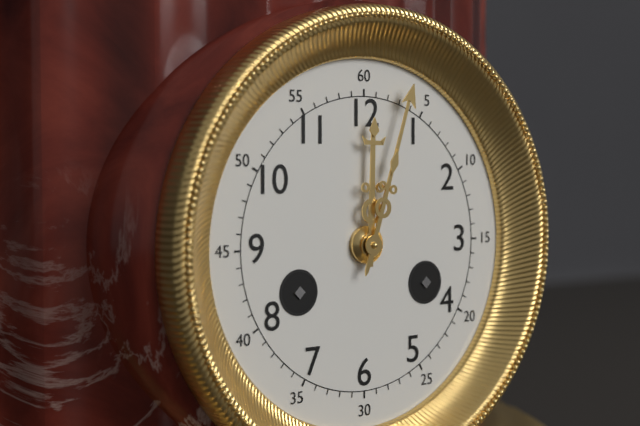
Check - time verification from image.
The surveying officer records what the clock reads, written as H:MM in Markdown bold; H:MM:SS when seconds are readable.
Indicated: **12:03**
